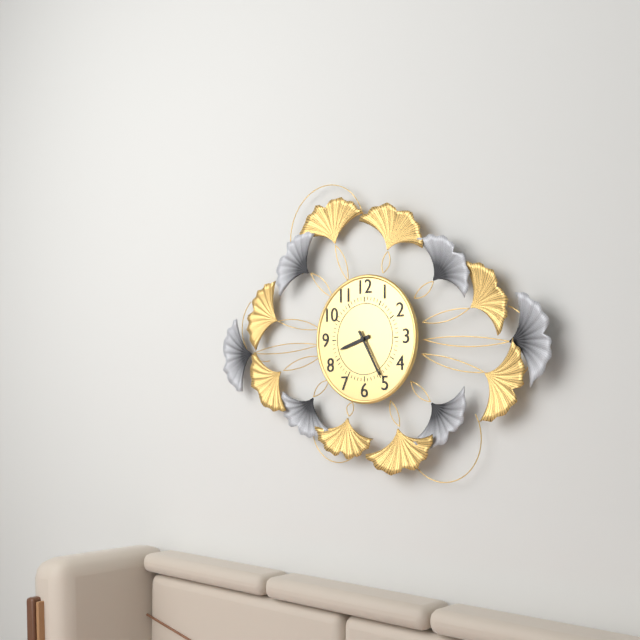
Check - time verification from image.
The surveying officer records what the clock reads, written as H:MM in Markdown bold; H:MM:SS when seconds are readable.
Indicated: **8:25**
